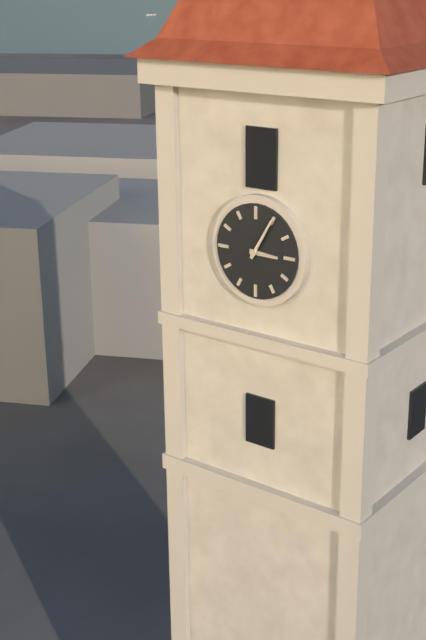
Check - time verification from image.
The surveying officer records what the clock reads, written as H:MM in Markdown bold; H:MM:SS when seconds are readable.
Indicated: **3:05**
